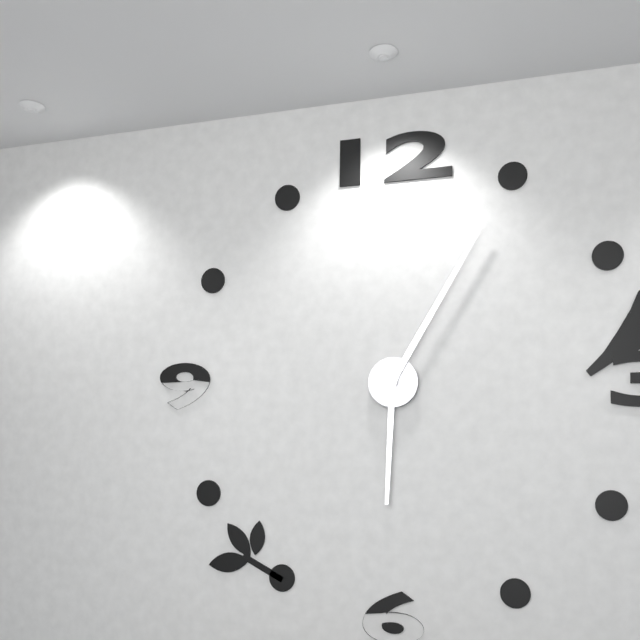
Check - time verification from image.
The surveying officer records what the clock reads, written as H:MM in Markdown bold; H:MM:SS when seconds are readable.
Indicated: **6:05**
